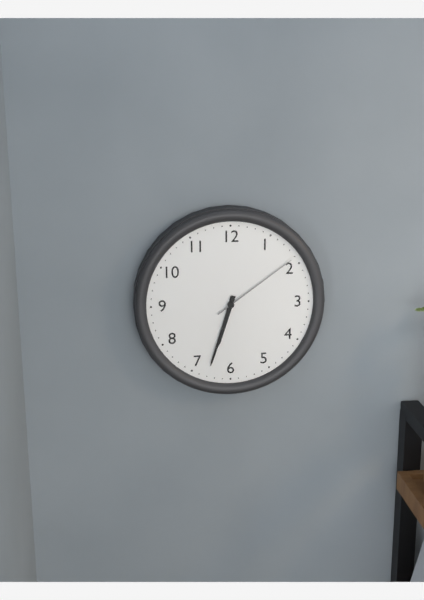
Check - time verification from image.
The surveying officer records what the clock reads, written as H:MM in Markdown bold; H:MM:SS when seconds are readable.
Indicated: **6:33:09**
